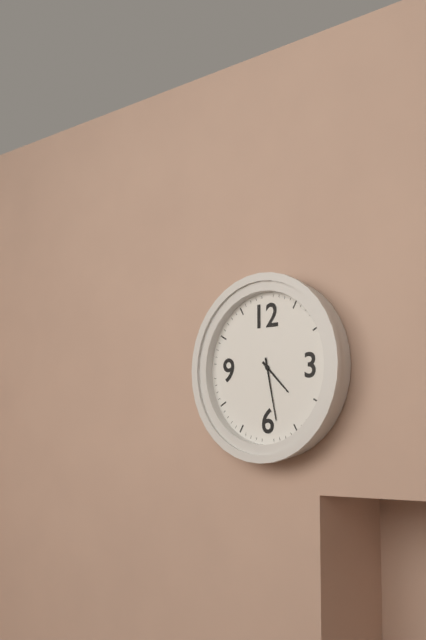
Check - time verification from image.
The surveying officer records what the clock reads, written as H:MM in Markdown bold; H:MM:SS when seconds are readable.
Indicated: **4:28**
